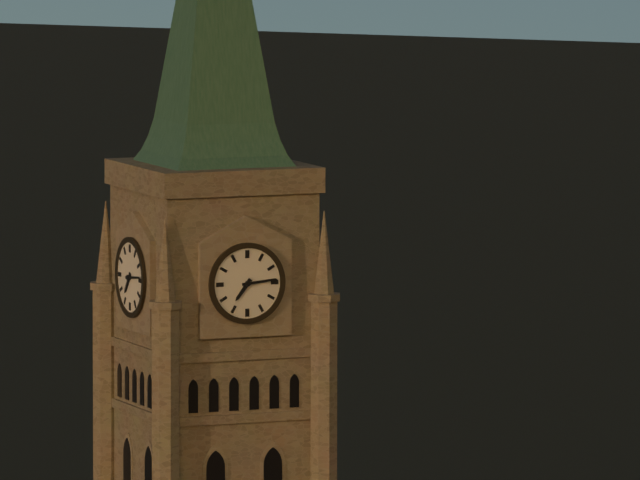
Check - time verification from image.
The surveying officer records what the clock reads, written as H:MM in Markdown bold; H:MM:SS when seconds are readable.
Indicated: **7:14**
